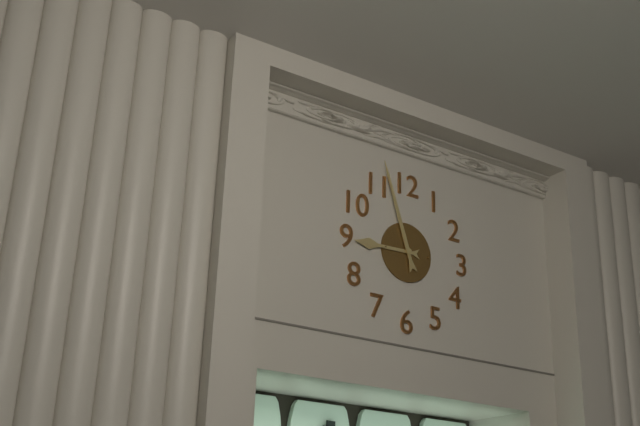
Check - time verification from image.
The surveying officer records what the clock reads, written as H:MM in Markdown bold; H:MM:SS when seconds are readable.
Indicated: **8:57**
